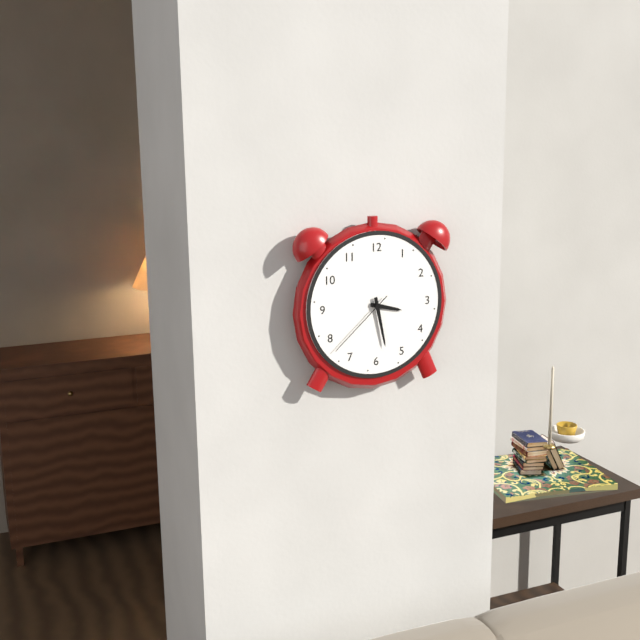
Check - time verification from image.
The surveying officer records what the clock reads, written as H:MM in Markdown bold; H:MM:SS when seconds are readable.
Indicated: **3:28:38**
